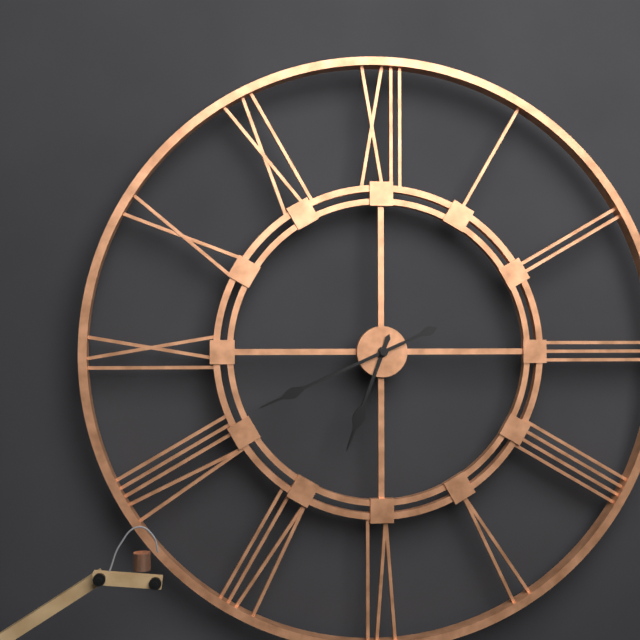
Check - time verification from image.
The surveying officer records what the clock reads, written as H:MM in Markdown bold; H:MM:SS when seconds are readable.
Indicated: **6:41**
